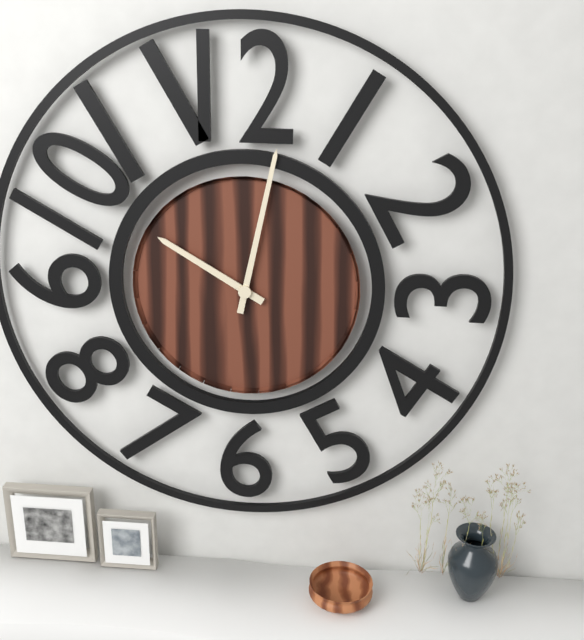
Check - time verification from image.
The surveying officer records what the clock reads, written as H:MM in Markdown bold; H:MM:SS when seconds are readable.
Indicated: **10:02**
